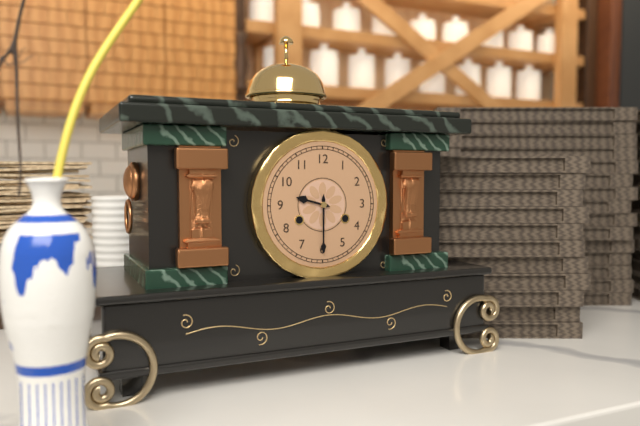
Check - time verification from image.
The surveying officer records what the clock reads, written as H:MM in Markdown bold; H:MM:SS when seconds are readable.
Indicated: **9:30**
